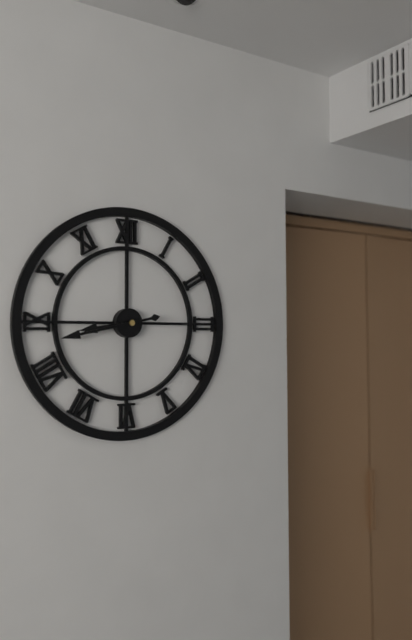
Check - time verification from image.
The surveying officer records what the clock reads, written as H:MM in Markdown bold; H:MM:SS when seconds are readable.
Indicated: **8:43**
